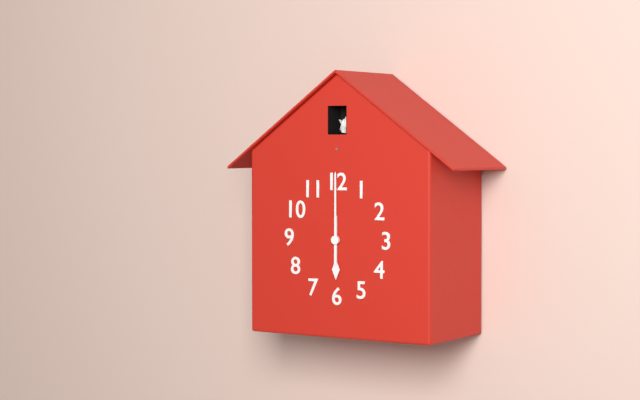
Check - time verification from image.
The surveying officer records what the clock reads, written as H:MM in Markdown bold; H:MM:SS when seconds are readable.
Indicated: **6:00**
